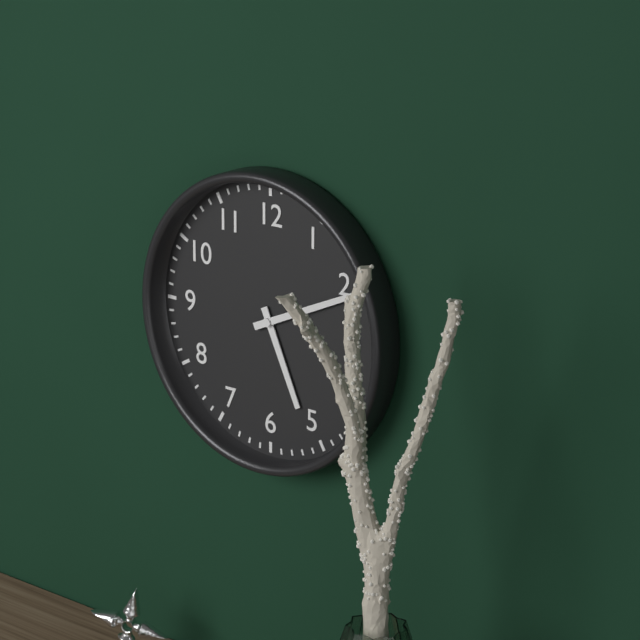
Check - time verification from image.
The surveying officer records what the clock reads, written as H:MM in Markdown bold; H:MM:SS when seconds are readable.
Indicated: **5:11**
